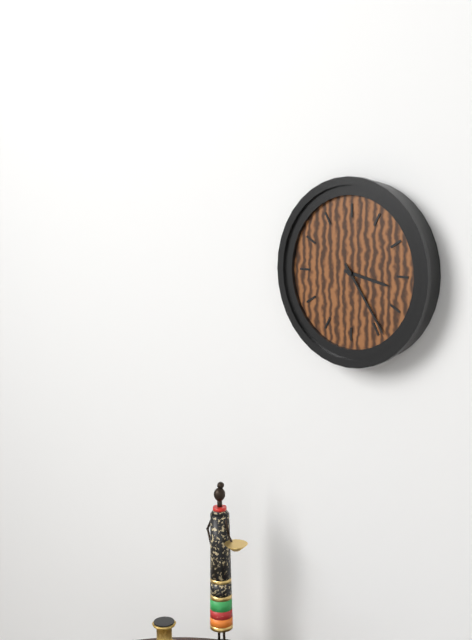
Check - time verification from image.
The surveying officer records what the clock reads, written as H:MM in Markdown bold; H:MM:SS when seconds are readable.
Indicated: **3:24**
